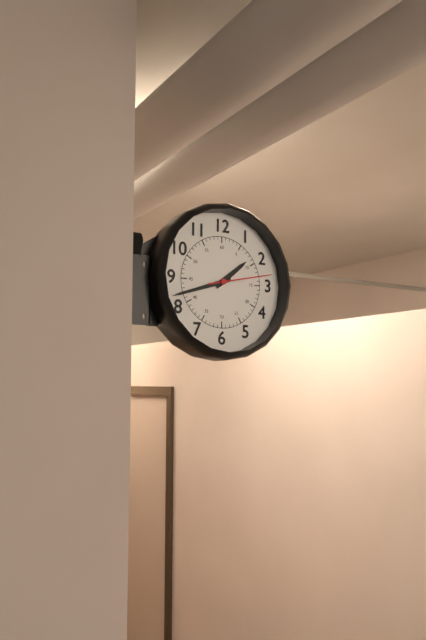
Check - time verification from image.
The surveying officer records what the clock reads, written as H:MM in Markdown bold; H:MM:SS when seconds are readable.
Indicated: **1:42:13**
